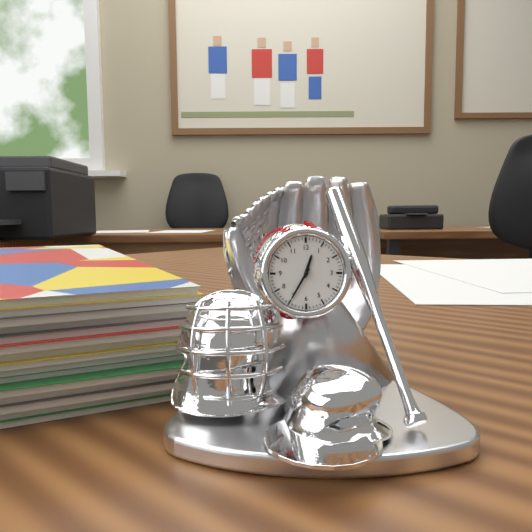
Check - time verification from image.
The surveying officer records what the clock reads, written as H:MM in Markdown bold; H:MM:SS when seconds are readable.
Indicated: **12:35**
